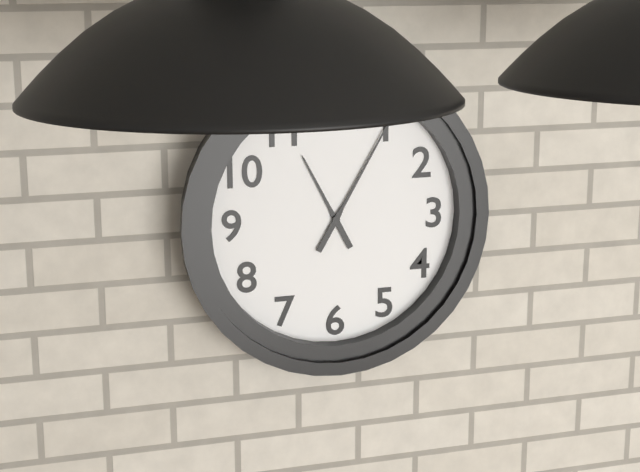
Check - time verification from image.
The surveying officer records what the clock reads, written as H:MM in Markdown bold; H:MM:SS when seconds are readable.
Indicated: **11:05**
